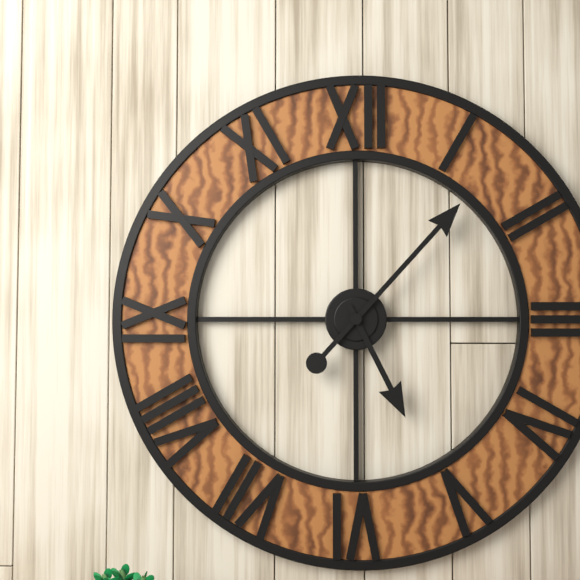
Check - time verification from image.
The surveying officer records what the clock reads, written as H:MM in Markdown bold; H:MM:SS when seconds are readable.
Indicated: **5:07**
